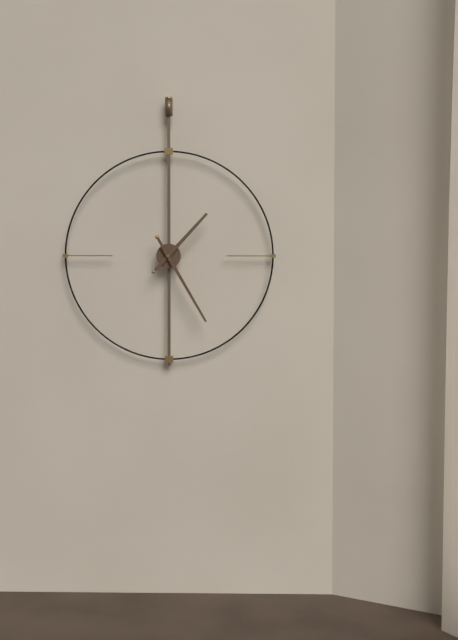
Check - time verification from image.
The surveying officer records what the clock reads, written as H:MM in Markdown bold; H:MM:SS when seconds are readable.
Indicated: **1:25**
